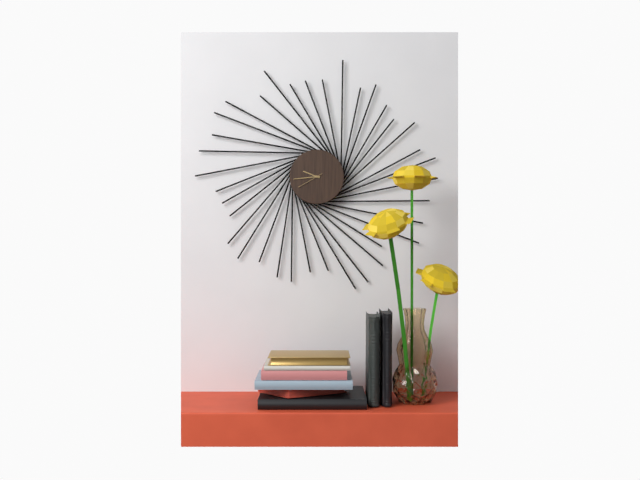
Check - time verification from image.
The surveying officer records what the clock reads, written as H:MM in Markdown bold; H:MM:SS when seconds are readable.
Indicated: **9:44**
